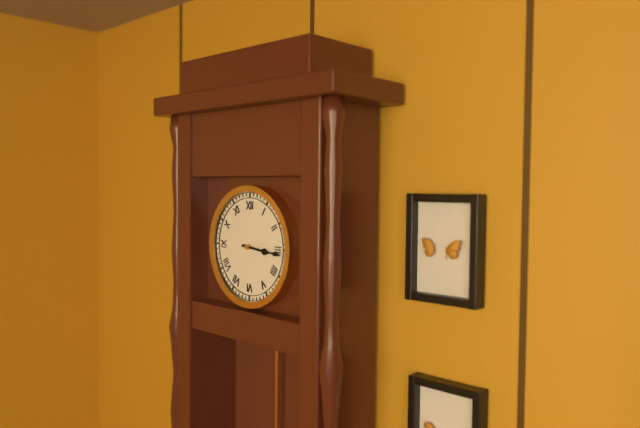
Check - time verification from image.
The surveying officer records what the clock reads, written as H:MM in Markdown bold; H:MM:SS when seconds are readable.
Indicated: **3:16**
